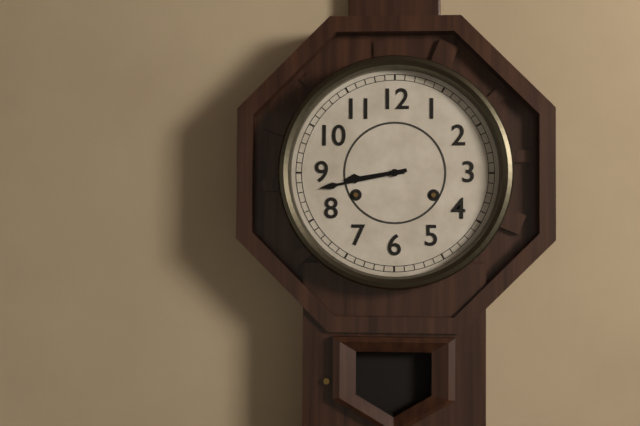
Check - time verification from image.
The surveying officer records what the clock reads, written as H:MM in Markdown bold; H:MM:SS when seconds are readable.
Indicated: **8:43**
